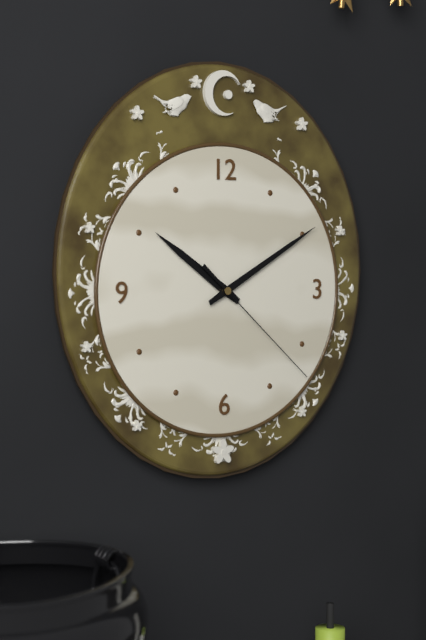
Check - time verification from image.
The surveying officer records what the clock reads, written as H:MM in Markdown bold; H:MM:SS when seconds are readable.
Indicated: **10:10:22**
